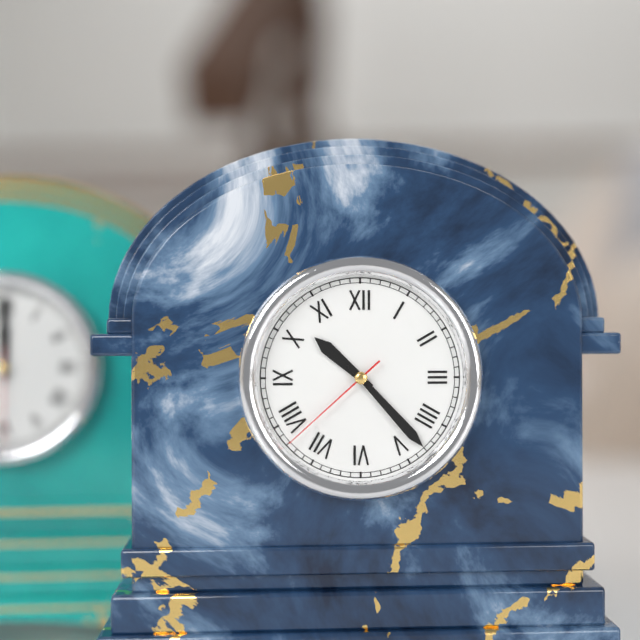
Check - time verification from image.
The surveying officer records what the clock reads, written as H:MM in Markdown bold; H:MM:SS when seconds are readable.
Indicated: **10:23:38**
